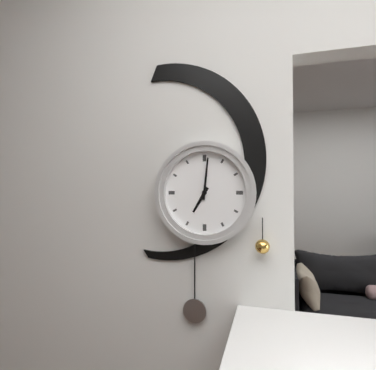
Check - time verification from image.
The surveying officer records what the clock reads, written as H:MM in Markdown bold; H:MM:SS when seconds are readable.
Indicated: **7:01**
